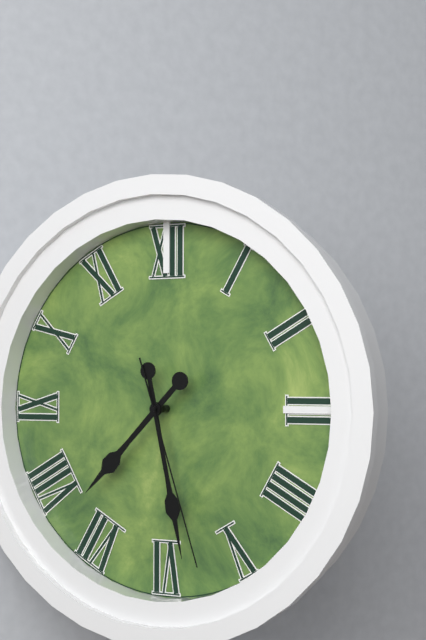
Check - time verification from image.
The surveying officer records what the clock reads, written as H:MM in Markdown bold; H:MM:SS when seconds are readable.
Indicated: **7:28:27**
